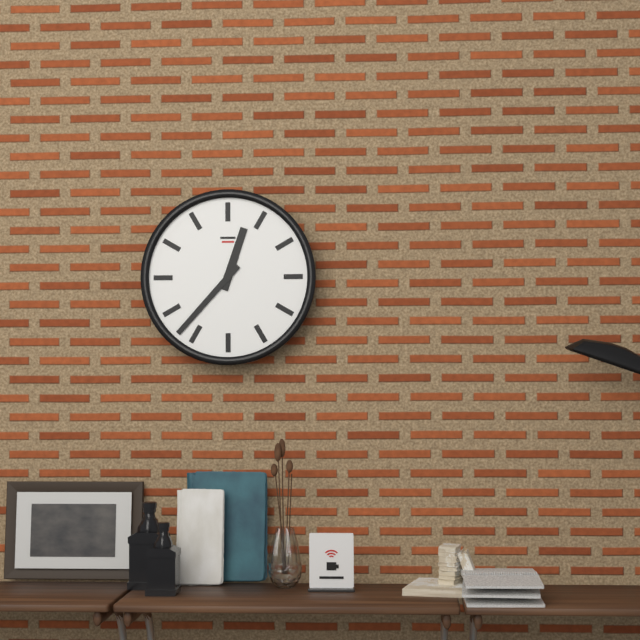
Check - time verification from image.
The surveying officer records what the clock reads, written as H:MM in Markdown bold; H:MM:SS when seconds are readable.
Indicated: **12:37**
